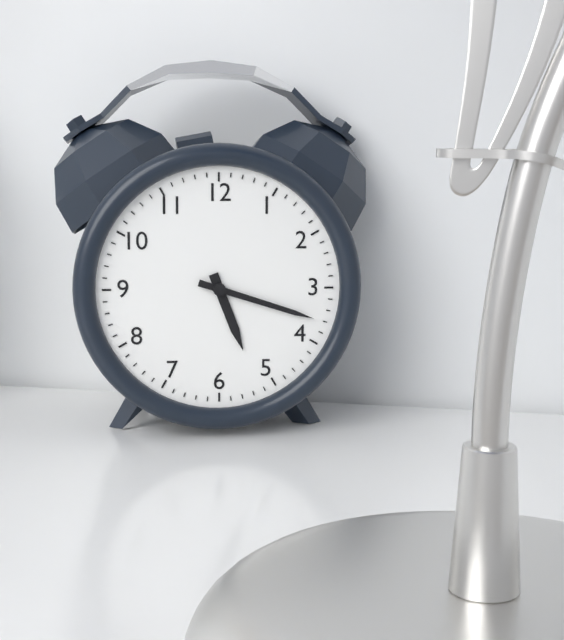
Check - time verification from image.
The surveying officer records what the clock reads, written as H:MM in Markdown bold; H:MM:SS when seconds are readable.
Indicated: **5:18**
